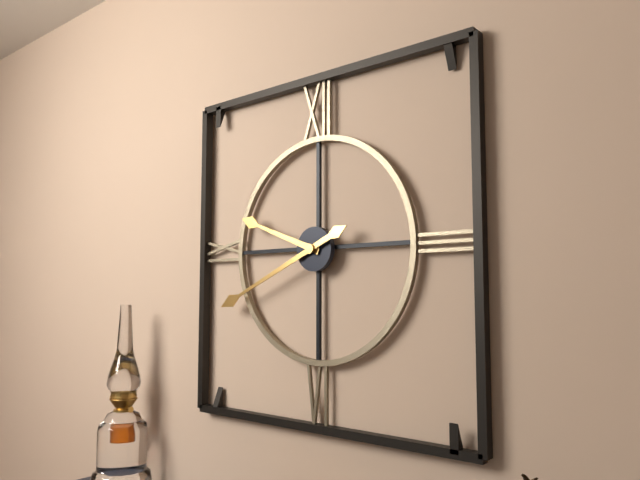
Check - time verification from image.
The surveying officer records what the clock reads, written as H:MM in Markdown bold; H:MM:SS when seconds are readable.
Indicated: **9:41**
